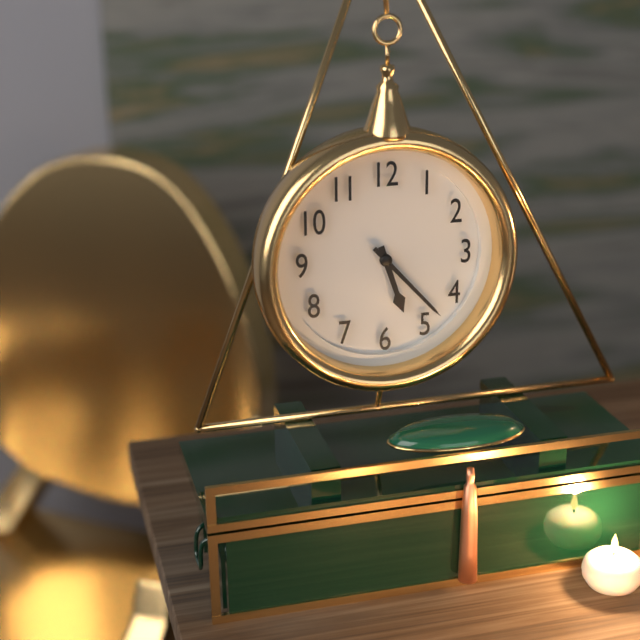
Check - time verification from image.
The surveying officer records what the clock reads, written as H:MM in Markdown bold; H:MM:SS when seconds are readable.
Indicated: **5:23**
